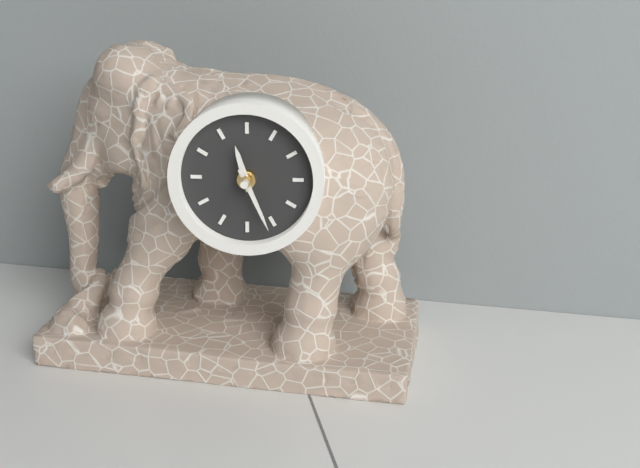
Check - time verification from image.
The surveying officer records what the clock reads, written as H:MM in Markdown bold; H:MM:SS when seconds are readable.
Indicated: **11:26**
